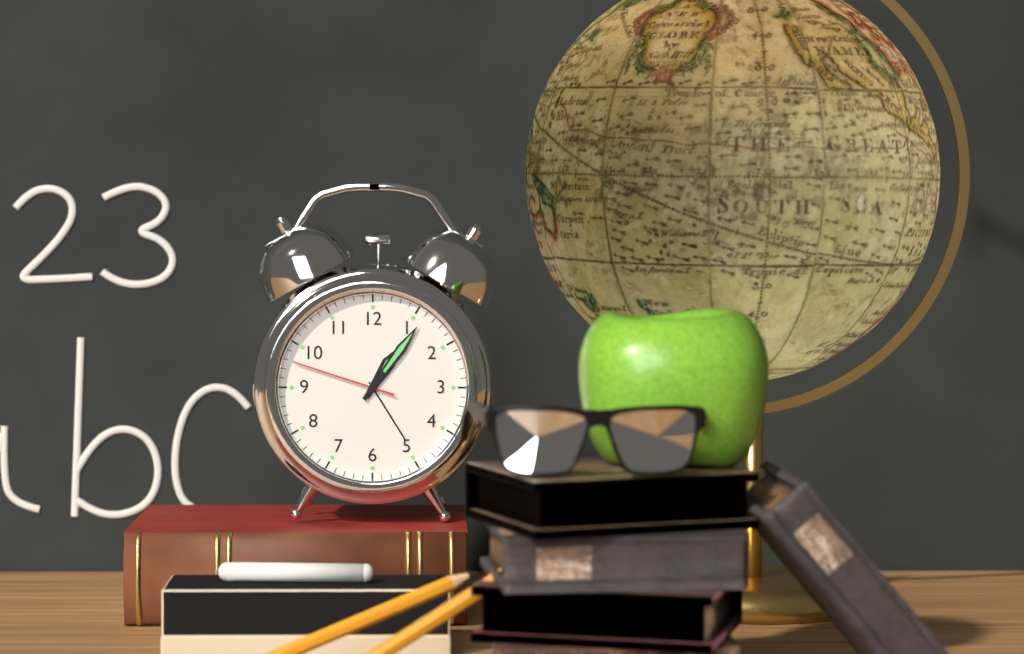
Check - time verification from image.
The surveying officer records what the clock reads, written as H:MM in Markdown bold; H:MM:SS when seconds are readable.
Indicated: **1:06:48**
